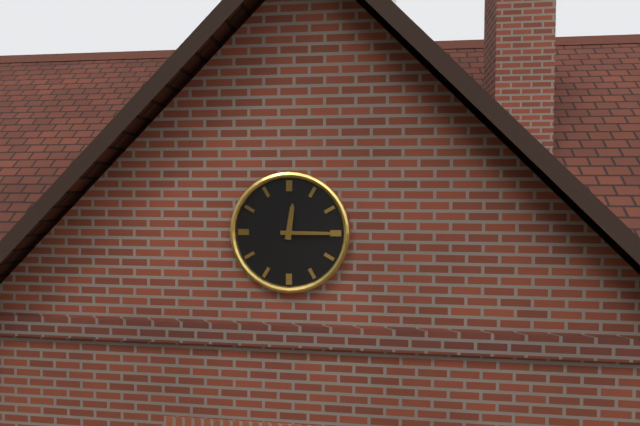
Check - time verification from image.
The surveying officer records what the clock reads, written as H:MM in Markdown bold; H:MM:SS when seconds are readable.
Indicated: **12:15**
